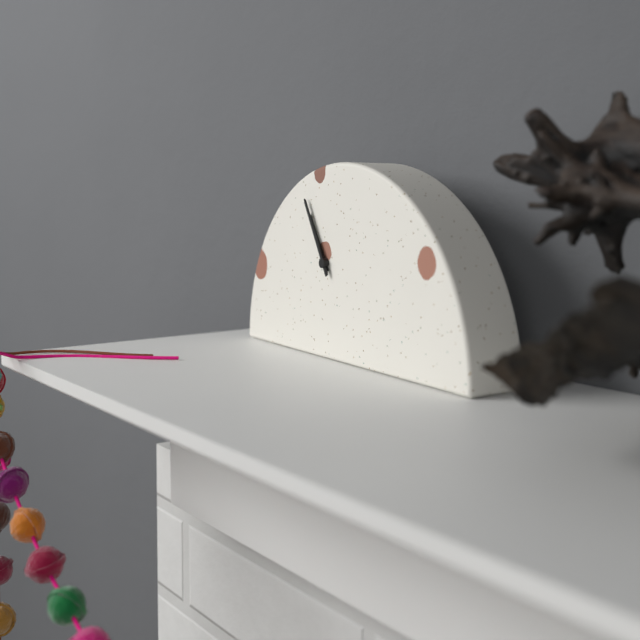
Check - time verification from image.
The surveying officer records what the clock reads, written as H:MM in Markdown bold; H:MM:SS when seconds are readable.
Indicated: **10:55**
